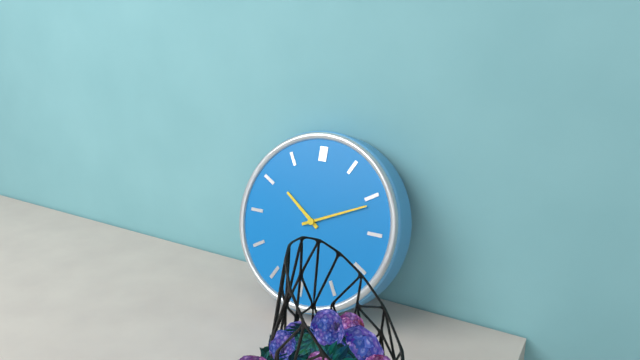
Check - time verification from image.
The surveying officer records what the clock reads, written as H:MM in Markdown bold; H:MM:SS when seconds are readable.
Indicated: **10:11**
